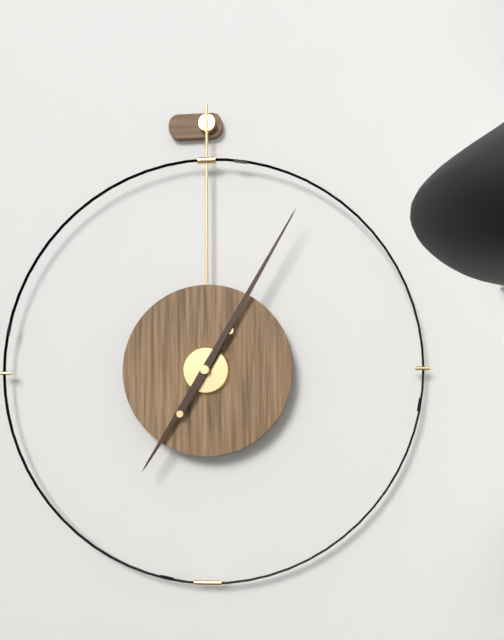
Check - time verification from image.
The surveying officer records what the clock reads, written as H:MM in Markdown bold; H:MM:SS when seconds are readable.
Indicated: **7:05**
